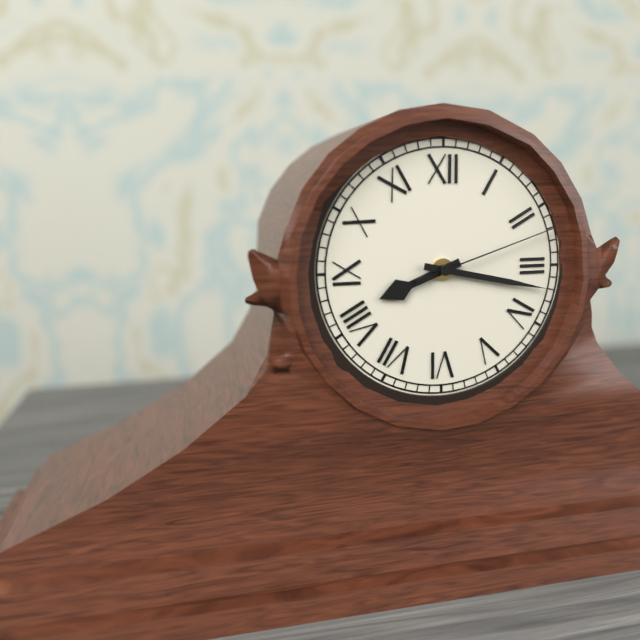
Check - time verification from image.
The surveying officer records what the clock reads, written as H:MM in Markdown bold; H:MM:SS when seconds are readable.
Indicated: **8:17:12**
